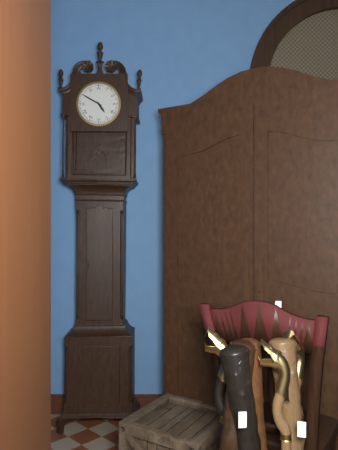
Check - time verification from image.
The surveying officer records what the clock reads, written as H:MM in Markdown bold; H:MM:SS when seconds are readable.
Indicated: **4:50**
